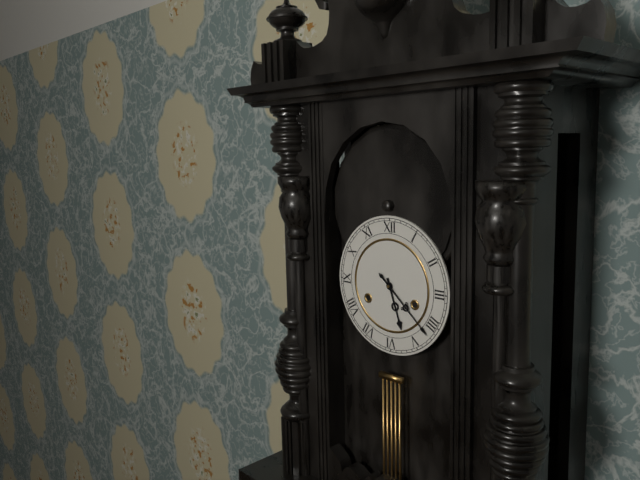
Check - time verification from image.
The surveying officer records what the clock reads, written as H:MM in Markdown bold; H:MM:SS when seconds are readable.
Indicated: **5:22**
